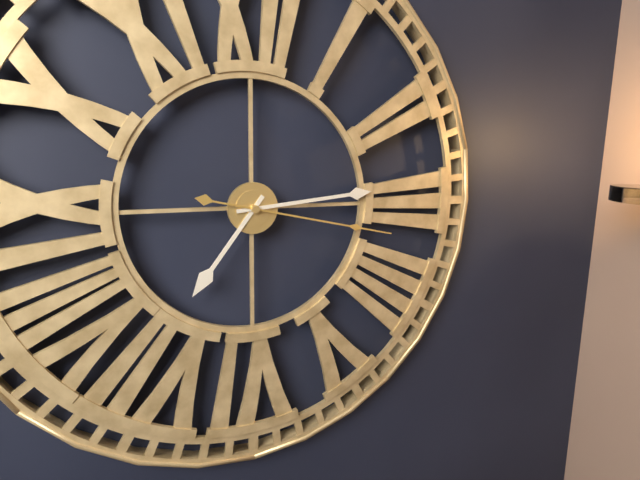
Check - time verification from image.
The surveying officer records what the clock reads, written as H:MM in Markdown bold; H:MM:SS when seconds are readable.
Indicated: **7:14:17**
